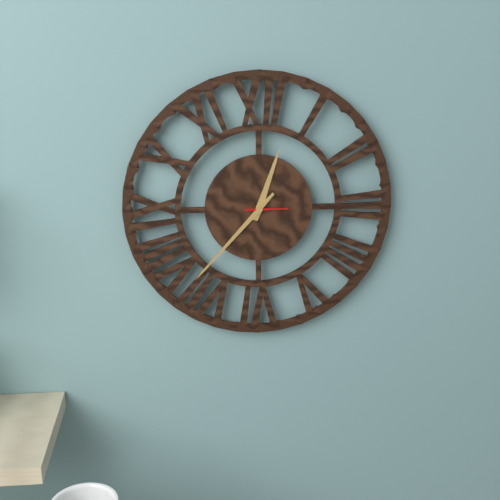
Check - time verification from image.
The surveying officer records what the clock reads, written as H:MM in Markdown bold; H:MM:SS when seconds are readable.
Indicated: **12:37**
